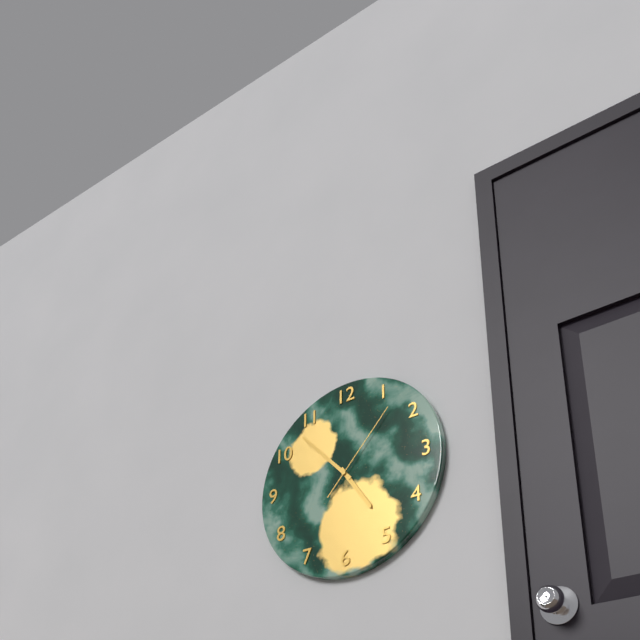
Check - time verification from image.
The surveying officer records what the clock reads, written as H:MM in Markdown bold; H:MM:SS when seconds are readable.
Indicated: **4:53:07**
